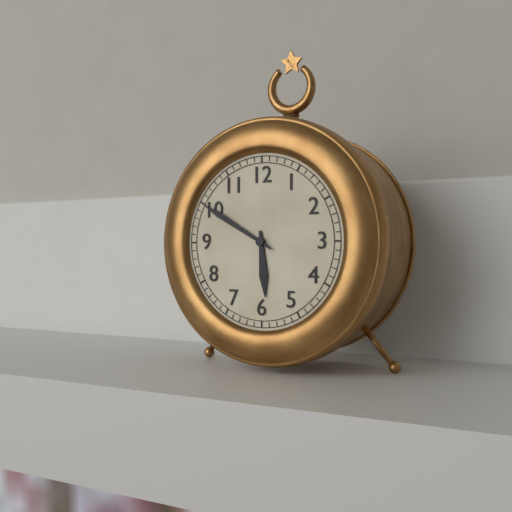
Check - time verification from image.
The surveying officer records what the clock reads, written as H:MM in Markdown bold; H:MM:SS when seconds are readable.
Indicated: **5:50**
